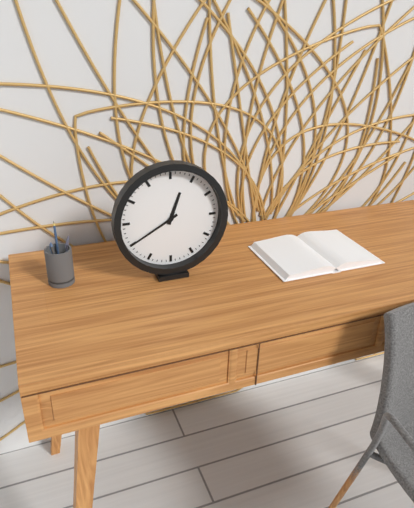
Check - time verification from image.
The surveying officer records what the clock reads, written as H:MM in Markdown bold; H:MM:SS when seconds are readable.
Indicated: **12:40**
